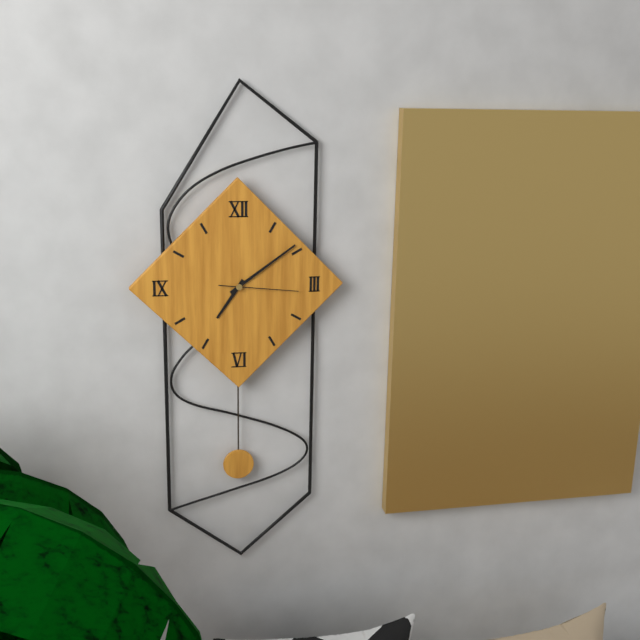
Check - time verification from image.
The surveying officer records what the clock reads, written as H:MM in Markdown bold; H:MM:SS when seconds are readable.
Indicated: **7:09:16**
